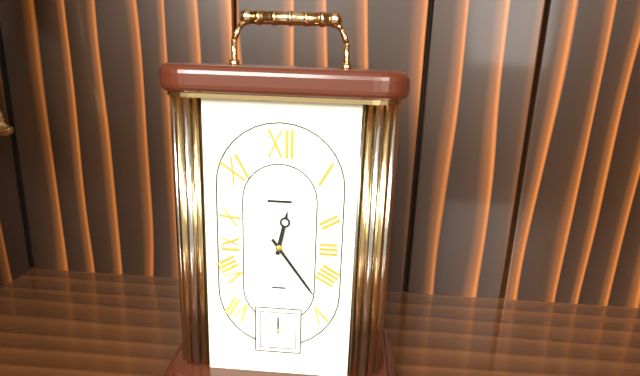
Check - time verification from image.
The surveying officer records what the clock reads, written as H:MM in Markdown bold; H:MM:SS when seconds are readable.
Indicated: **12:24**
